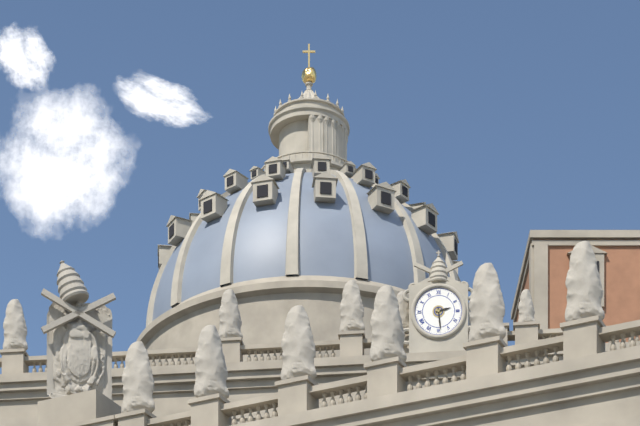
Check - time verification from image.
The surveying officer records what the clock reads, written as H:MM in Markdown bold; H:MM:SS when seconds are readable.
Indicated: **2:29**
